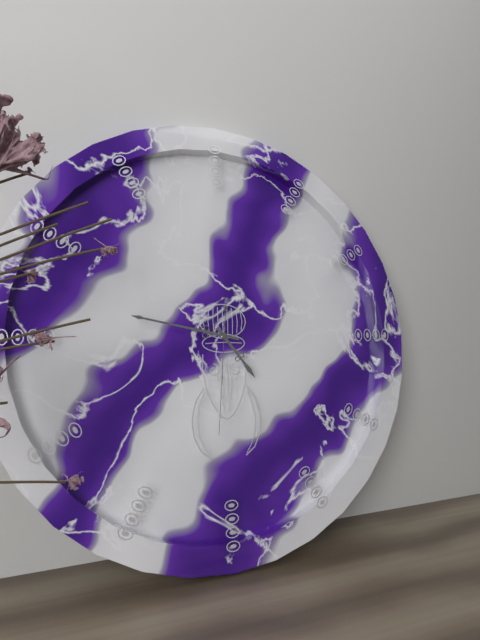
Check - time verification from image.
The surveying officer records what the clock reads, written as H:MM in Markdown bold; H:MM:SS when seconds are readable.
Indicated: **4:47:31**
